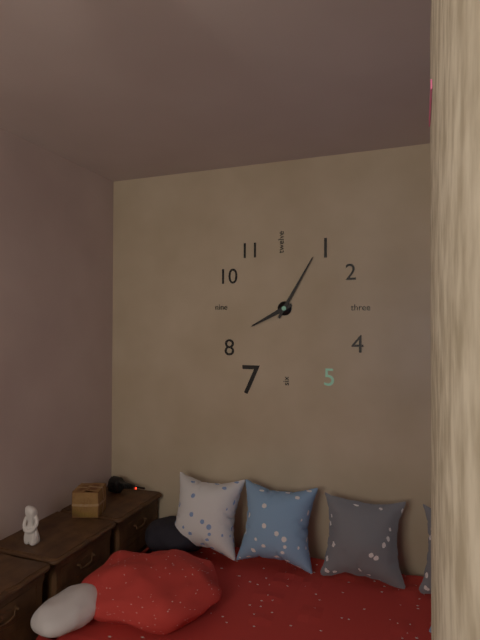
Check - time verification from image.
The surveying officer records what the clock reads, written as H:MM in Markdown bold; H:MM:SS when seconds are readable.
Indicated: **8:05**
